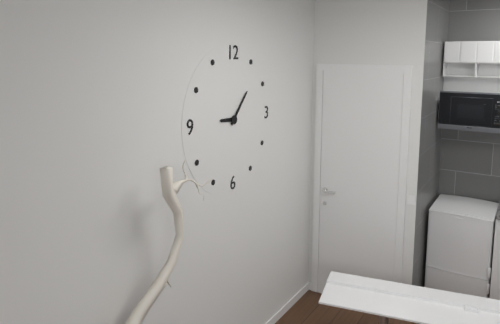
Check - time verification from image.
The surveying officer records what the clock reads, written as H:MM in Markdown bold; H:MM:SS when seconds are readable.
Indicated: **9:07**
